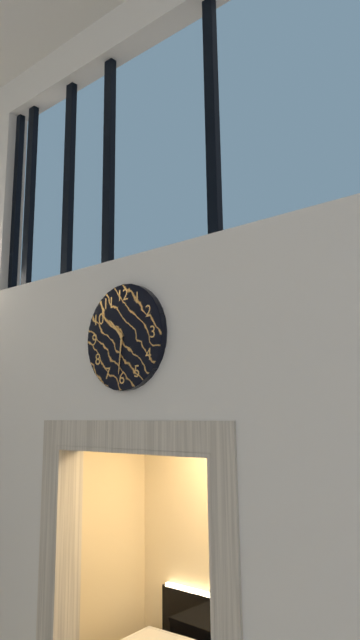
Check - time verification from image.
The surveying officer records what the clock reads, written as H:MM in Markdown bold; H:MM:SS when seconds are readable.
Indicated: **10:31**
